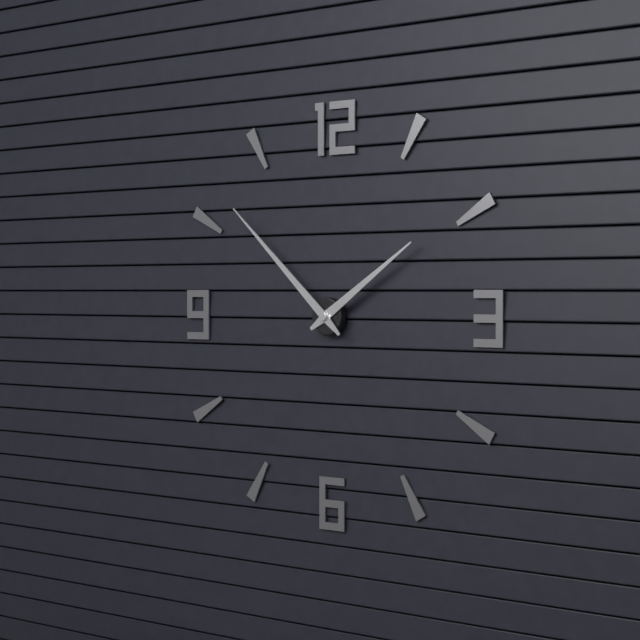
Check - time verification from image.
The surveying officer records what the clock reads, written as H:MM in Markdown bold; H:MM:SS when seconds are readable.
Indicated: **1:52**
